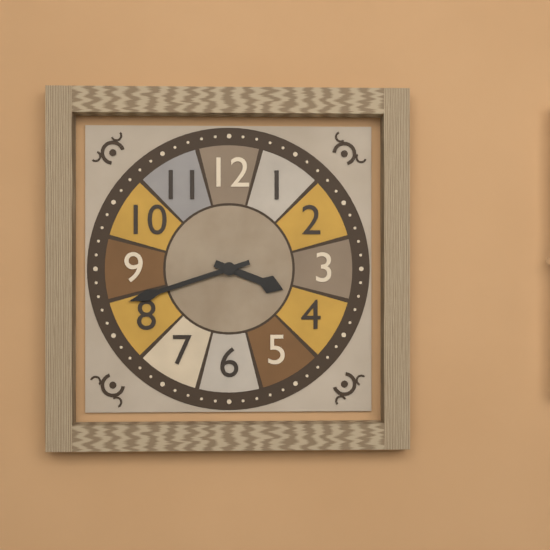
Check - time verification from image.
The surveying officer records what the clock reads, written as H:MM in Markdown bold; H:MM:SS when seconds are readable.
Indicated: **3:42**
